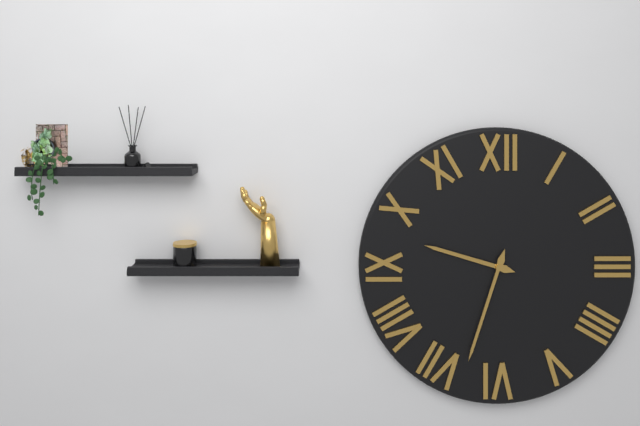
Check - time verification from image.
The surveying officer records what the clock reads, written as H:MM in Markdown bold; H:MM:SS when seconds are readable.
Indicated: **9:33**
